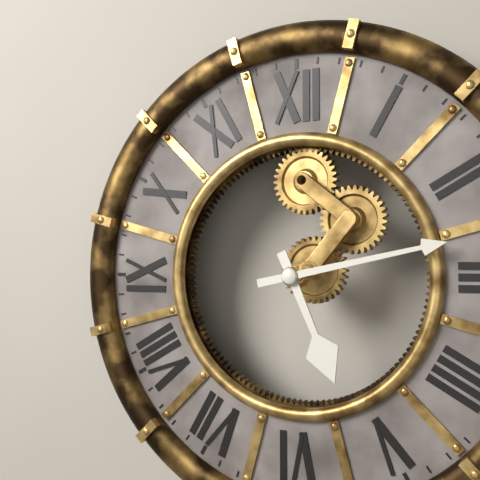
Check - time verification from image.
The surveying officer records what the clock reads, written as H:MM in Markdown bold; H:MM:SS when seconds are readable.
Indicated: **5:13**
